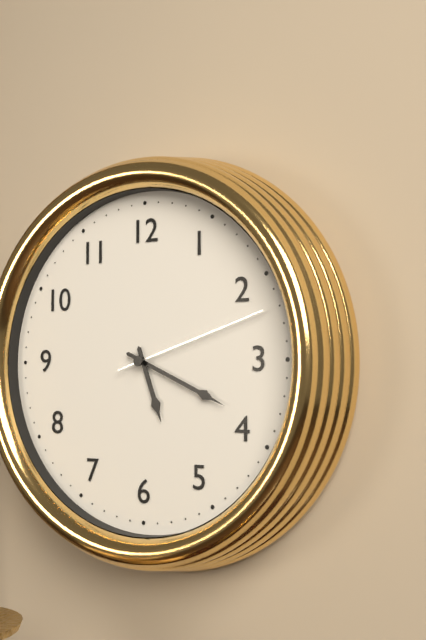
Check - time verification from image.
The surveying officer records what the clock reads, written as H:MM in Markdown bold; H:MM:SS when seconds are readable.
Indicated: **5:19:12**
